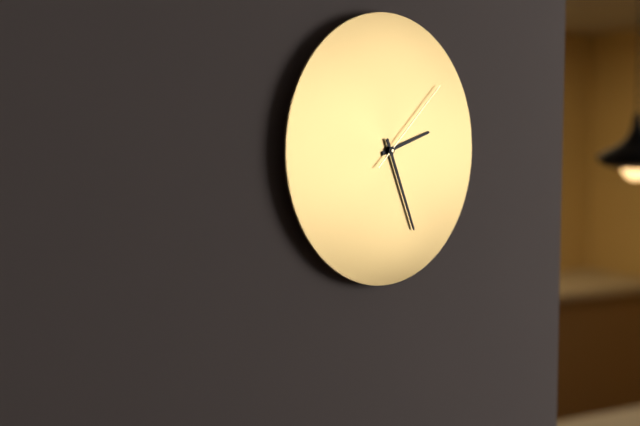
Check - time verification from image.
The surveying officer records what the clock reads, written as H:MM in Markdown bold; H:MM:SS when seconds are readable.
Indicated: **2:26:08**
